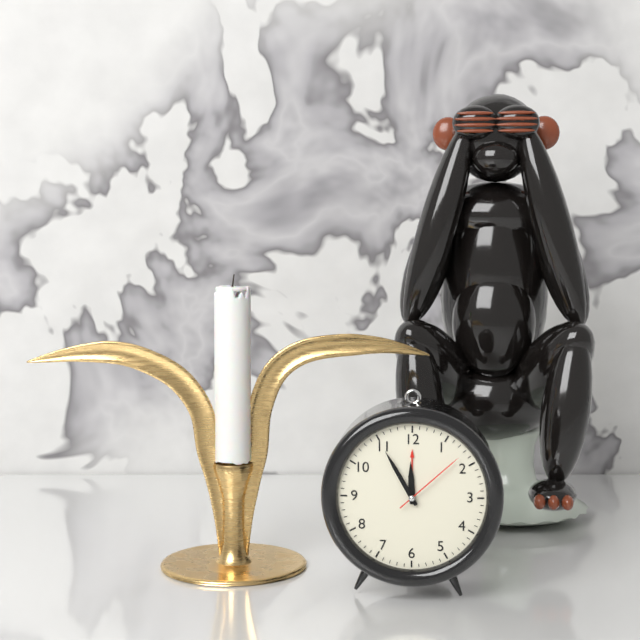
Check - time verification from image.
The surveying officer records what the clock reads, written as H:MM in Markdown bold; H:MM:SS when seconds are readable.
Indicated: **11:55:08**
